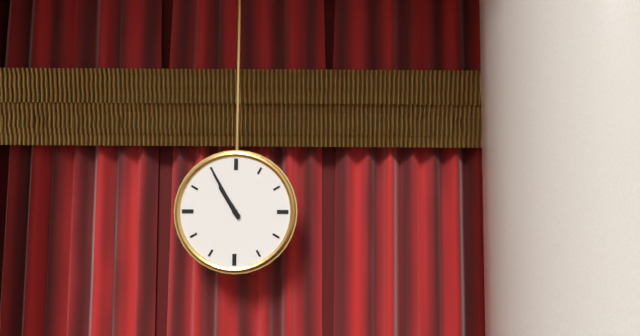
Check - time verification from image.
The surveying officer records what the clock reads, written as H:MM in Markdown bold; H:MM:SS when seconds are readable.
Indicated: **10:55**
